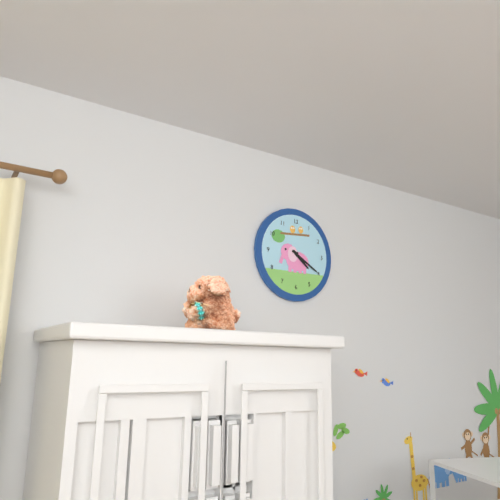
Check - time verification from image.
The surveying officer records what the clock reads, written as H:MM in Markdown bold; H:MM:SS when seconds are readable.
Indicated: **4:20**
